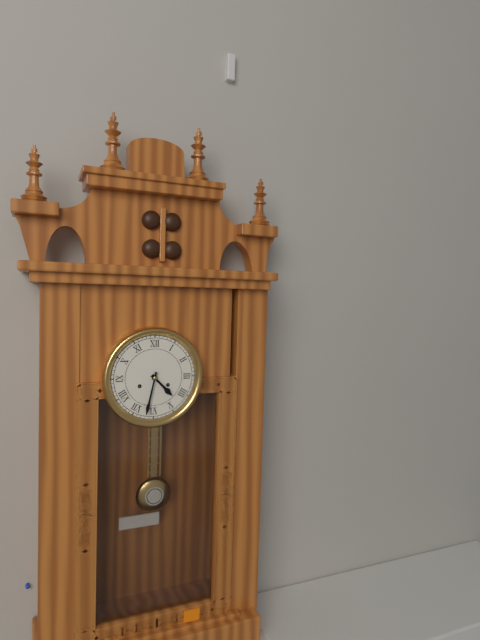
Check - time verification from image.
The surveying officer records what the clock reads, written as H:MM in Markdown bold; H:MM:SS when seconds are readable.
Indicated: **4:32**
